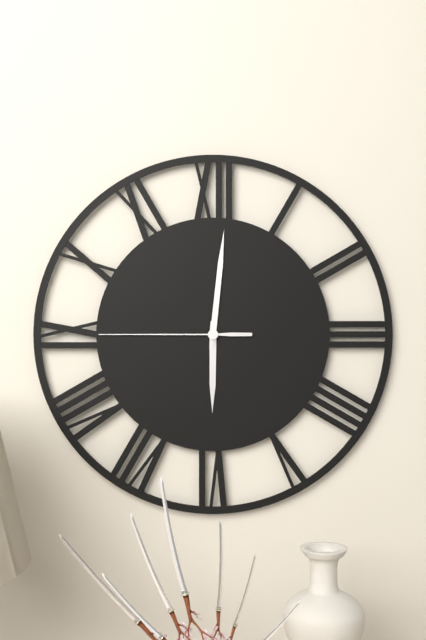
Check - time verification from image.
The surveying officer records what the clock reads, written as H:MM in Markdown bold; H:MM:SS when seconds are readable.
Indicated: **6:01:45**
